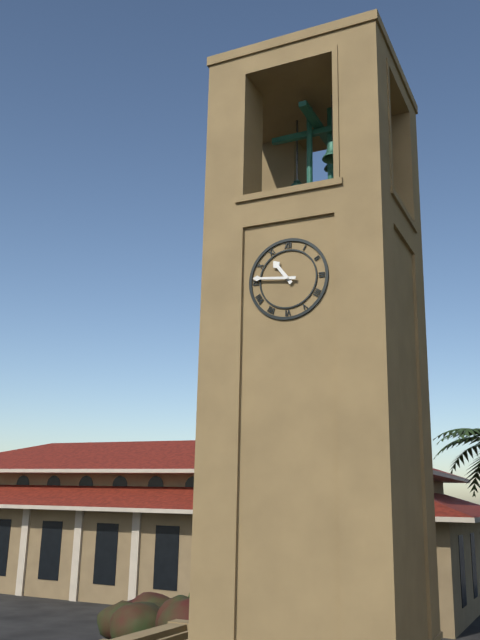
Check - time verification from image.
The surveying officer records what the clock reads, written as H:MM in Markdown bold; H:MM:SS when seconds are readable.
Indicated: **10:46**
